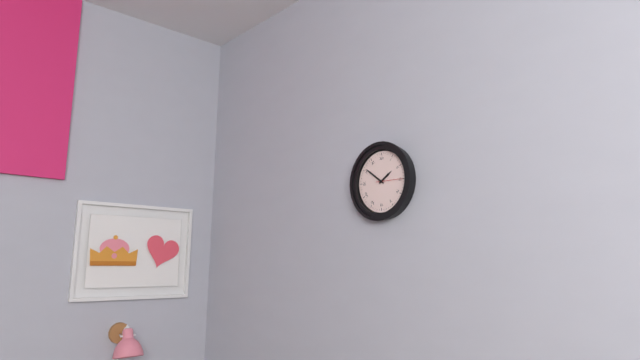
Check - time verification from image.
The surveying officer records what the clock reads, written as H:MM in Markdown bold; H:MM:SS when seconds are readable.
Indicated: **1:51**
